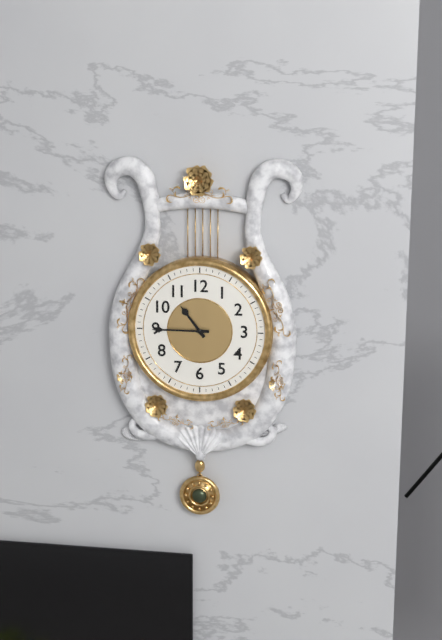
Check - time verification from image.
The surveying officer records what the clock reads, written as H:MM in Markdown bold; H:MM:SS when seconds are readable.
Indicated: **10:45**
